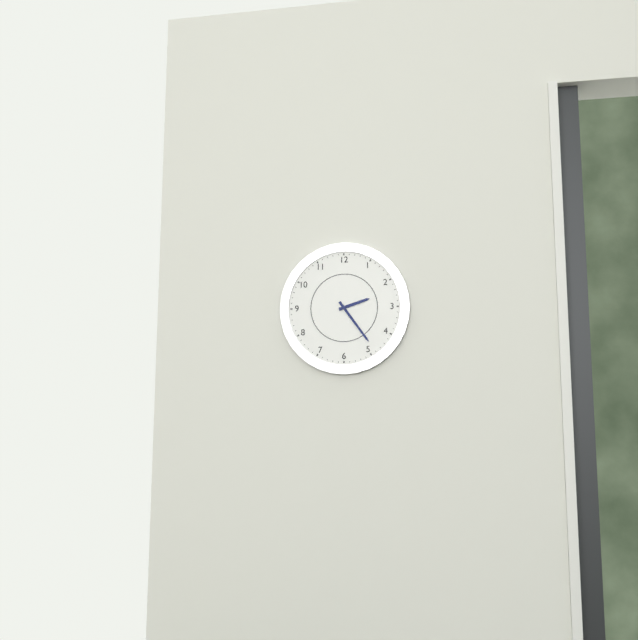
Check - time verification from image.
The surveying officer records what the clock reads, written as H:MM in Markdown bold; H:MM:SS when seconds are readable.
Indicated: **2:24**
